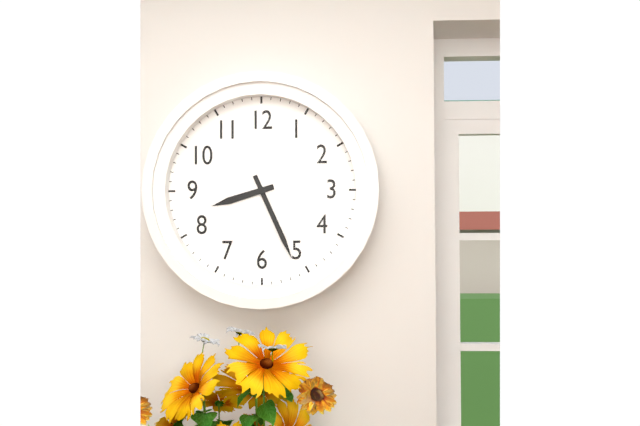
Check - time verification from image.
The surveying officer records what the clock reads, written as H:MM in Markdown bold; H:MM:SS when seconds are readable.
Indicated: **8:26**
